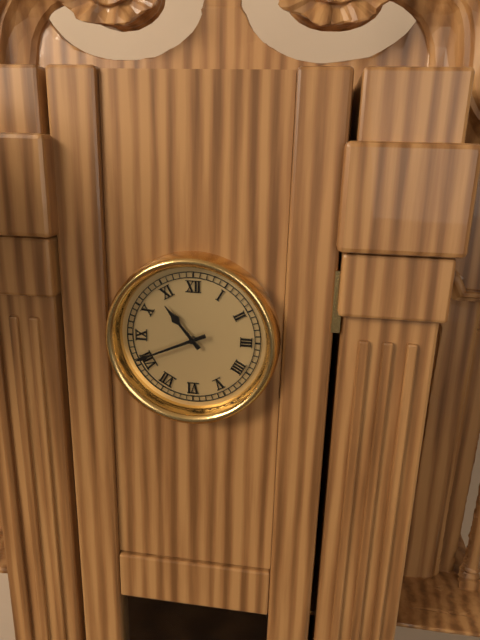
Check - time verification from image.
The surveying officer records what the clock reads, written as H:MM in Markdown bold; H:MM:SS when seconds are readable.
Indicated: **10:41**
